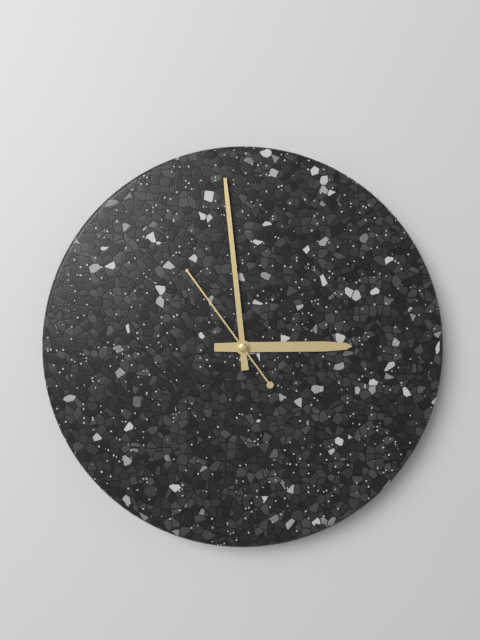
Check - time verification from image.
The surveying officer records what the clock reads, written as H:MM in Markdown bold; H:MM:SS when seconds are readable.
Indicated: **2:59:54**
